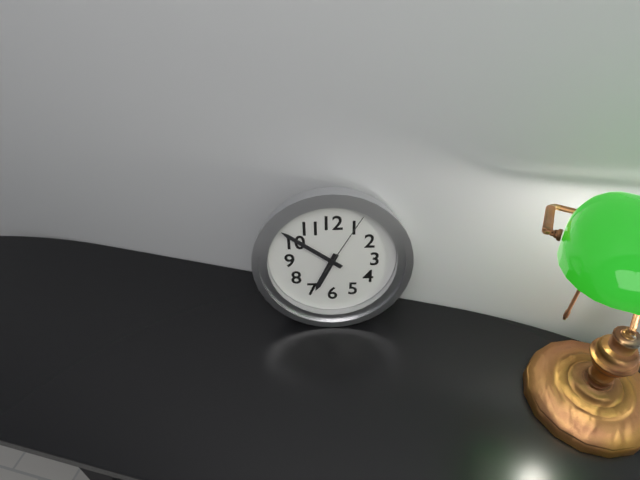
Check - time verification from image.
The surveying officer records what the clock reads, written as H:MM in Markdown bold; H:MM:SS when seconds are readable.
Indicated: **6:51:05**
